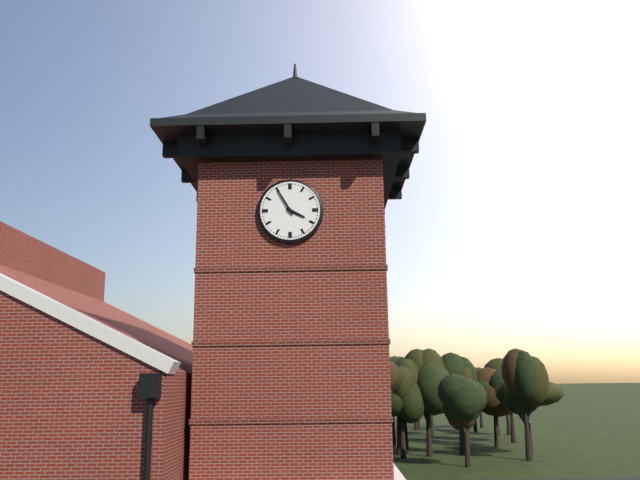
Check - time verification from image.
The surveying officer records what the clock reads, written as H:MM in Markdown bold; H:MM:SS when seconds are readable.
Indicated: **3:55**
